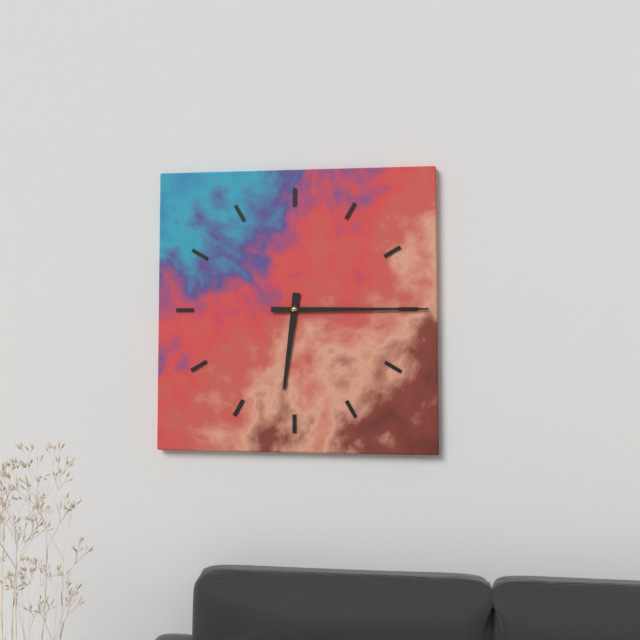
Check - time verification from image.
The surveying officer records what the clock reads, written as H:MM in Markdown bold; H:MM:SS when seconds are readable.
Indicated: **6:15**
